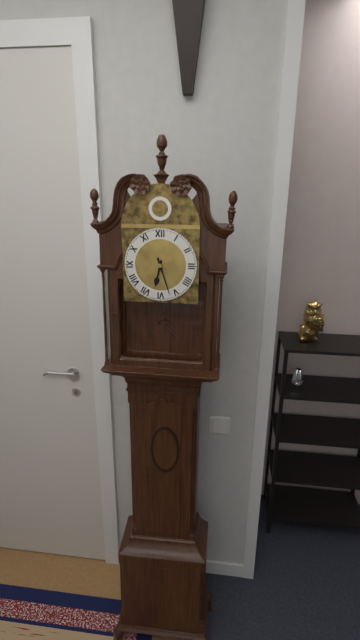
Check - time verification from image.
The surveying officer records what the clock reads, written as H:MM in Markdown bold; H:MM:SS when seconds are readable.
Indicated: **6:27**
